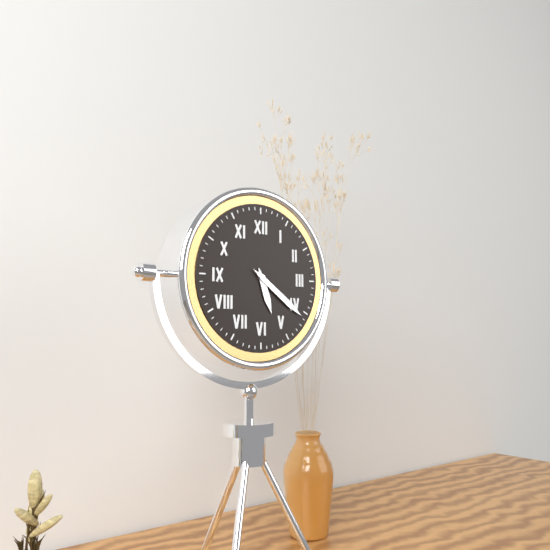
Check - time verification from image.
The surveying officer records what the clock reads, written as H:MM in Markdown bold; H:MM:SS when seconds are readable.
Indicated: **5:21**
